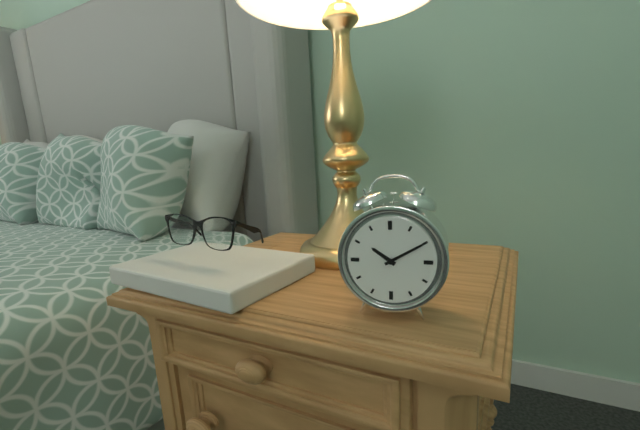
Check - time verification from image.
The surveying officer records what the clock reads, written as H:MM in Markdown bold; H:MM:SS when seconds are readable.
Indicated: **10:10**
